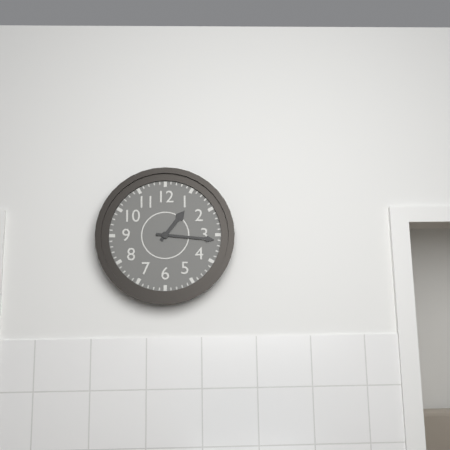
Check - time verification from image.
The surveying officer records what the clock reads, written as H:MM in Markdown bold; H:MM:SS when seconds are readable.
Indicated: **1:16**
